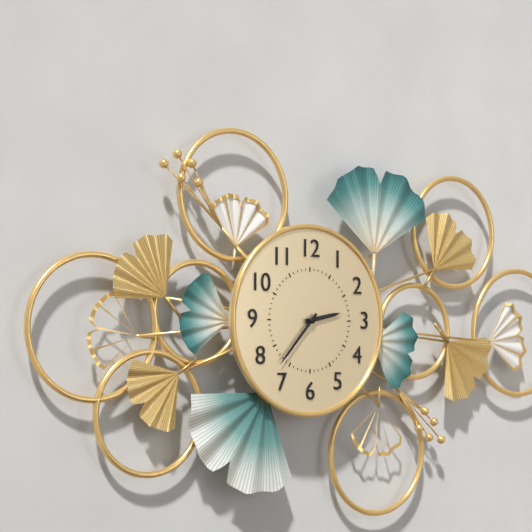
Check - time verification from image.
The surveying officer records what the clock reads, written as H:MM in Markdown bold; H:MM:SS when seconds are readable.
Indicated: **2:37**
